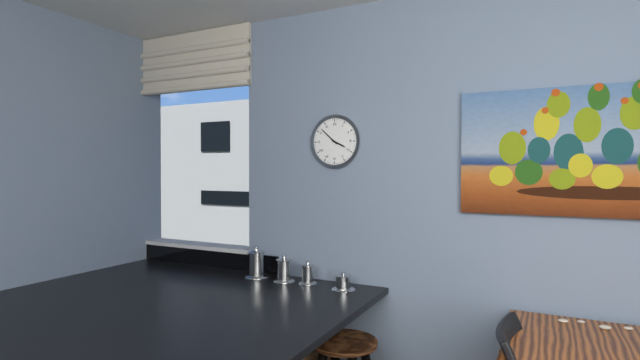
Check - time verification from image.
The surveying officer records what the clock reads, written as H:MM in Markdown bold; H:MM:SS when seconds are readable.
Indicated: **3:52**
